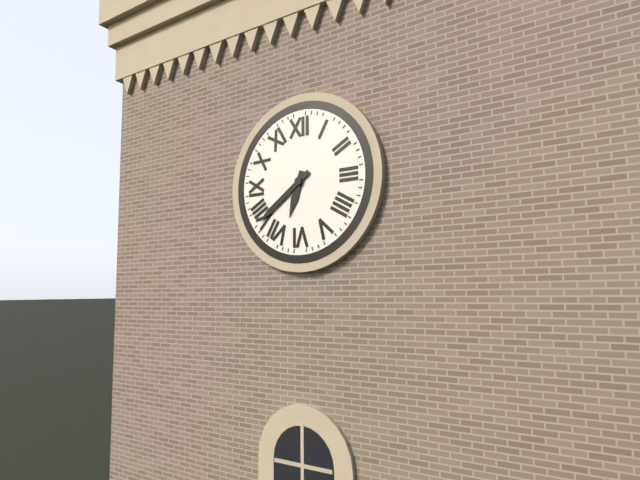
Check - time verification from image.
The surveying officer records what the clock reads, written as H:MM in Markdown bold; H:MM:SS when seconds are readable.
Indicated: **6:39**
